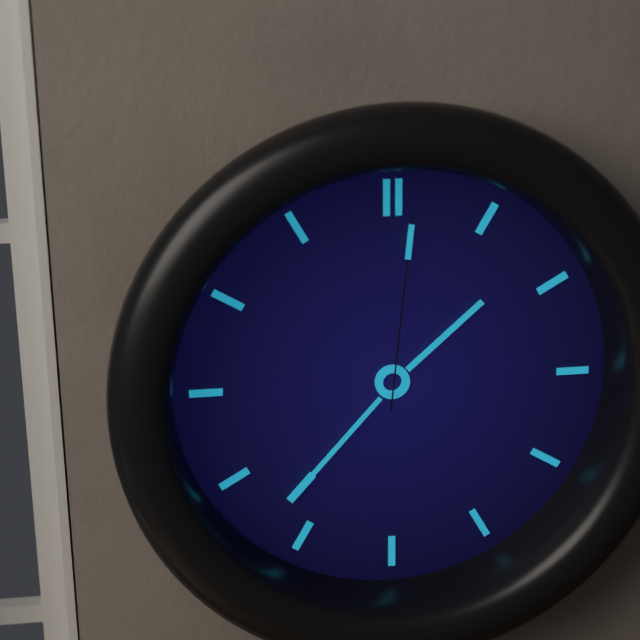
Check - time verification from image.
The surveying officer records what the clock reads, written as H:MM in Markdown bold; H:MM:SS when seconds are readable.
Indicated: **1:37:01**
